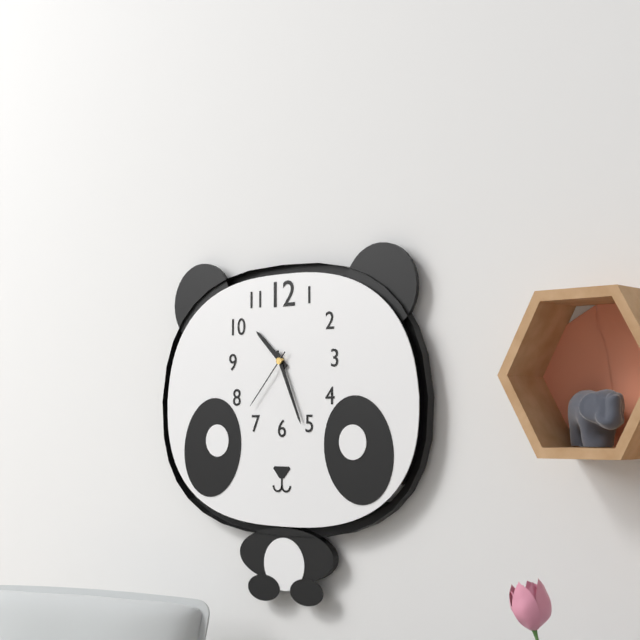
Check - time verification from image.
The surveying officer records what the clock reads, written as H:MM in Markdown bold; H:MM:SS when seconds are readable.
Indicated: **10:26:37**
